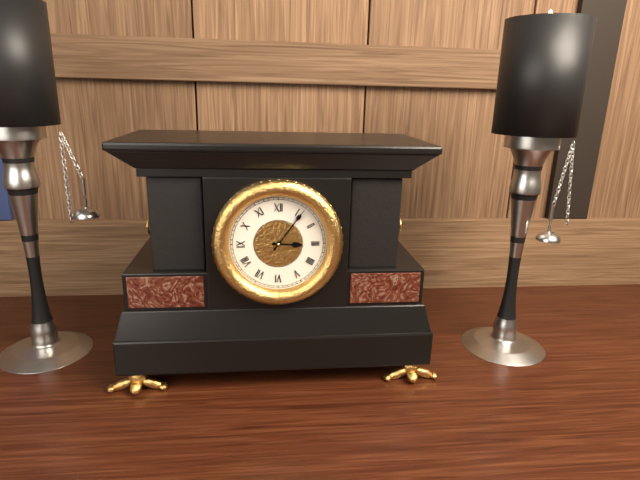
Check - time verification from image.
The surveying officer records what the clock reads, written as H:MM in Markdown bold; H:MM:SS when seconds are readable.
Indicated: **3:06**
